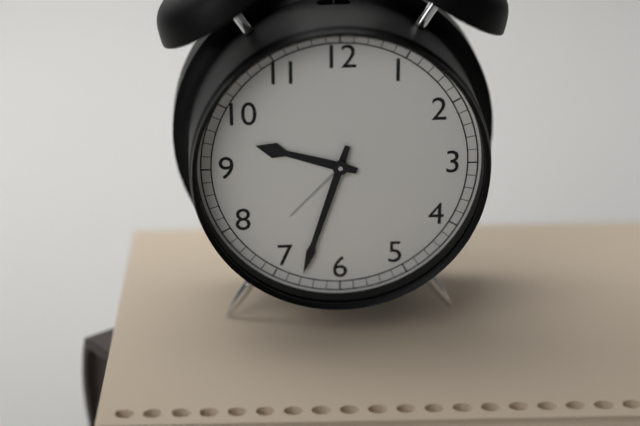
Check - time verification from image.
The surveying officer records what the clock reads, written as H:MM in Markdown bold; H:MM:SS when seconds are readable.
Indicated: **9:33**
